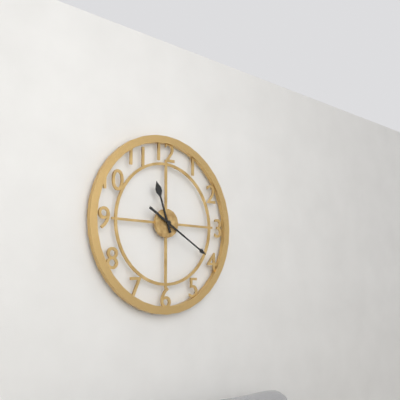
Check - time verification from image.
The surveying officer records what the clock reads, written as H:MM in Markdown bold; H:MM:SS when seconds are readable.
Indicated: **11:20**
